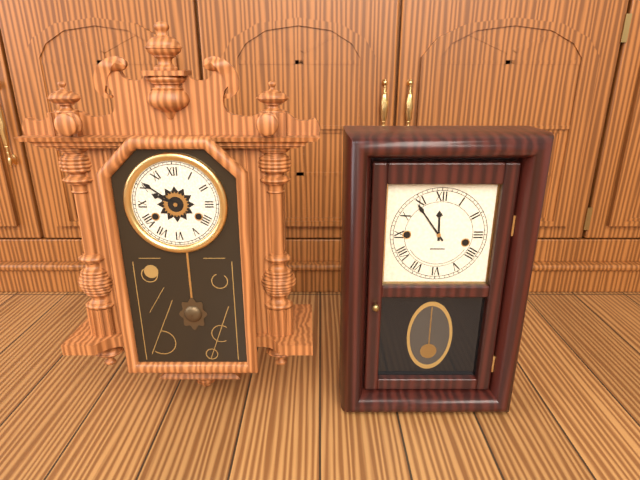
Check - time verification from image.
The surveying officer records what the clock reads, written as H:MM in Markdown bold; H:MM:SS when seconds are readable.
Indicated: **9:51**
